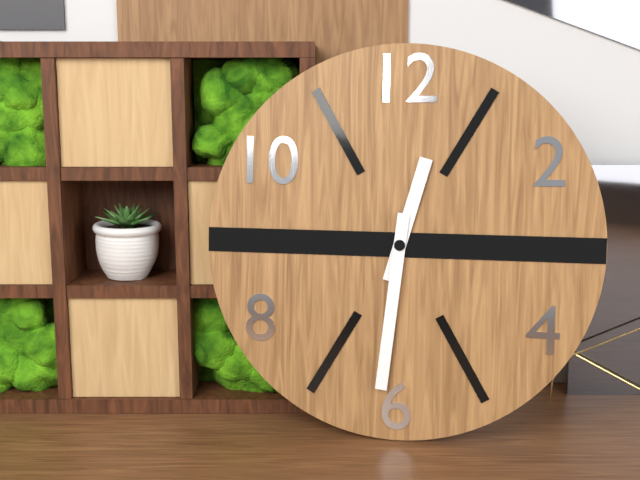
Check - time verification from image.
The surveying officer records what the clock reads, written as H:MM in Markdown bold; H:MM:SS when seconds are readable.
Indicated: **12:31**
